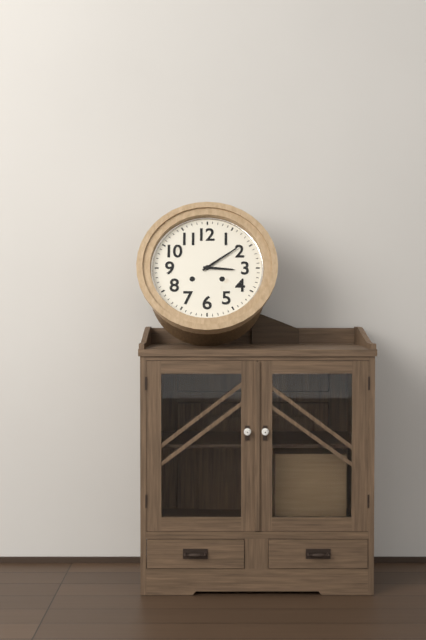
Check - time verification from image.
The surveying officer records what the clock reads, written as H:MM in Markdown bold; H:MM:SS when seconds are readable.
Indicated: **3:09**
